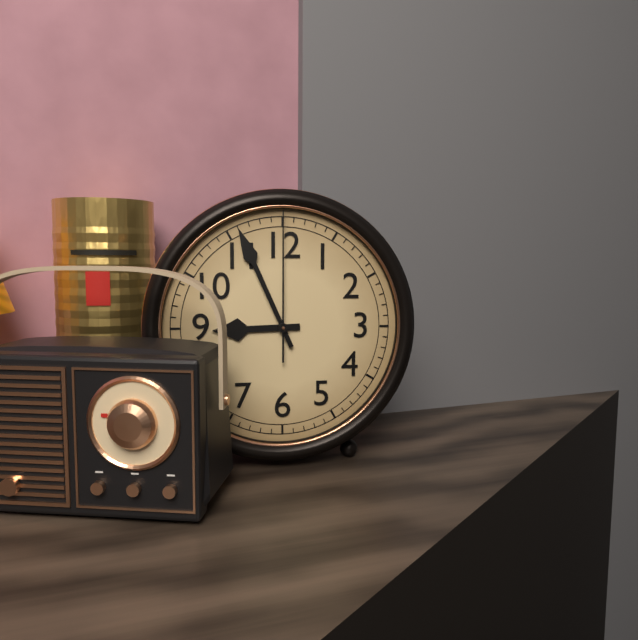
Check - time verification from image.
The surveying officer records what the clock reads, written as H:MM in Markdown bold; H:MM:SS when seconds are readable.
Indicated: **8:56:00**
